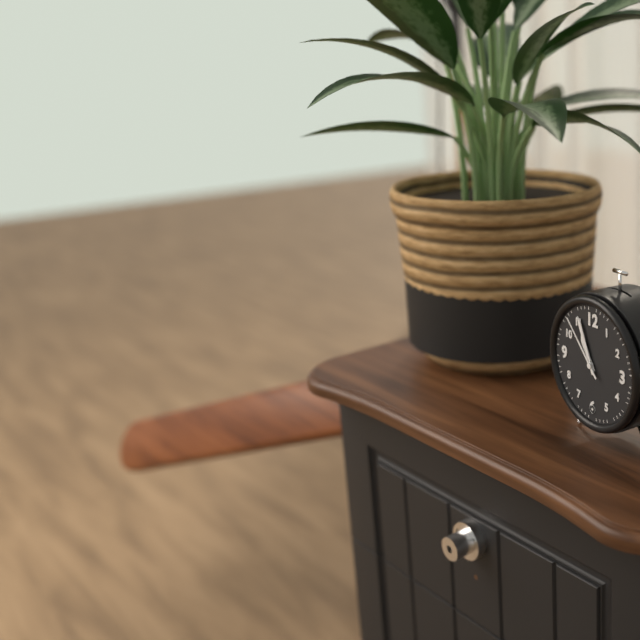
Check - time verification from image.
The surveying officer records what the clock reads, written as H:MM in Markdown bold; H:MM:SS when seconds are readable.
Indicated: **10:56:53**
